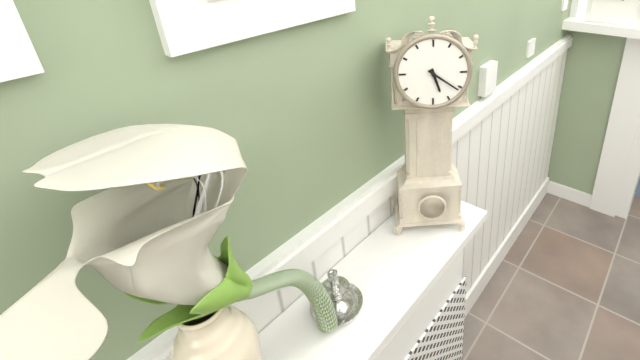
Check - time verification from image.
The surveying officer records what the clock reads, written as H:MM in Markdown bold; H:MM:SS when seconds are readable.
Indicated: **5:21**
